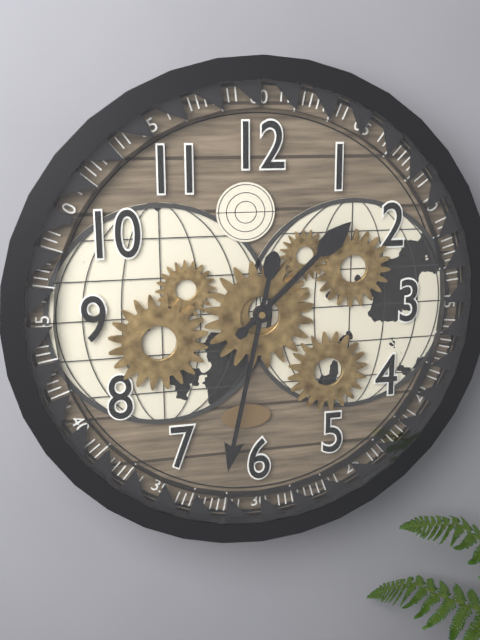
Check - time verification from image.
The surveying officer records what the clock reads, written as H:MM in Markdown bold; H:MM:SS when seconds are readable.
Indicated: **1:32**
